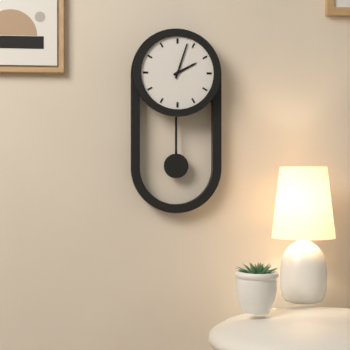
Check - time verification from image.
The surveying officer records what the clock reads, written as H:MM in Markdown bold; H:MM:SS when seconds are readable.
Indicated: **2:03**
